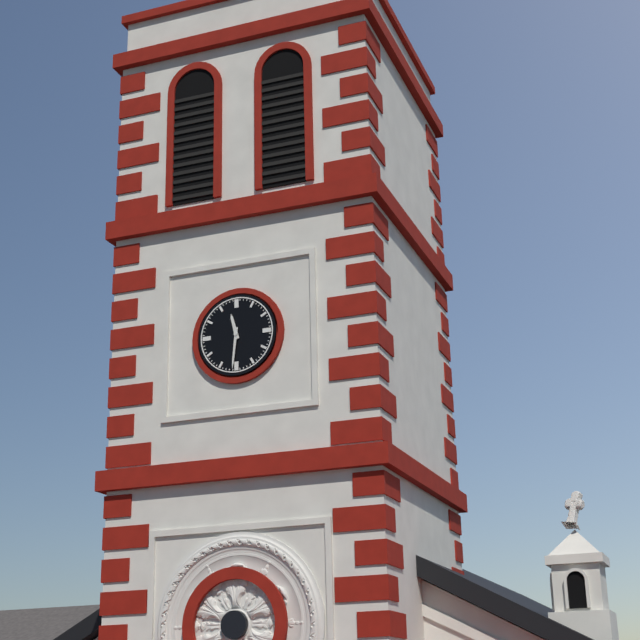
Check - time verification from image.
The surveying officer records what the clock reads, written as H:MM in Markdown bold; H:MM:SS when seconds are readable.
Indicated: **11:31**
